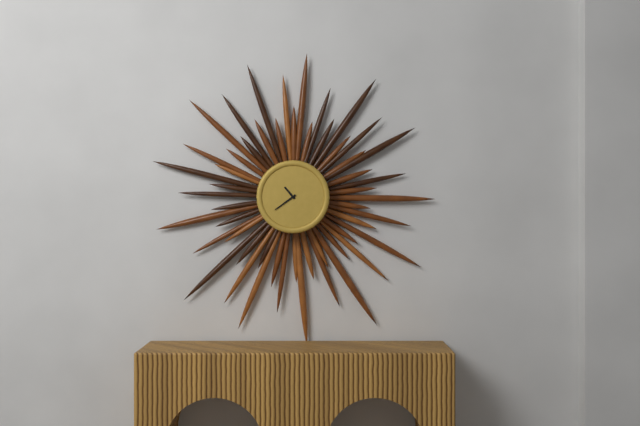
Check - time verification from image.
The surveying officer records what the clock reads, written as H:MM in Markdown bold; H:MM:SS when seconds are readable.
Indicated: **10:39**
